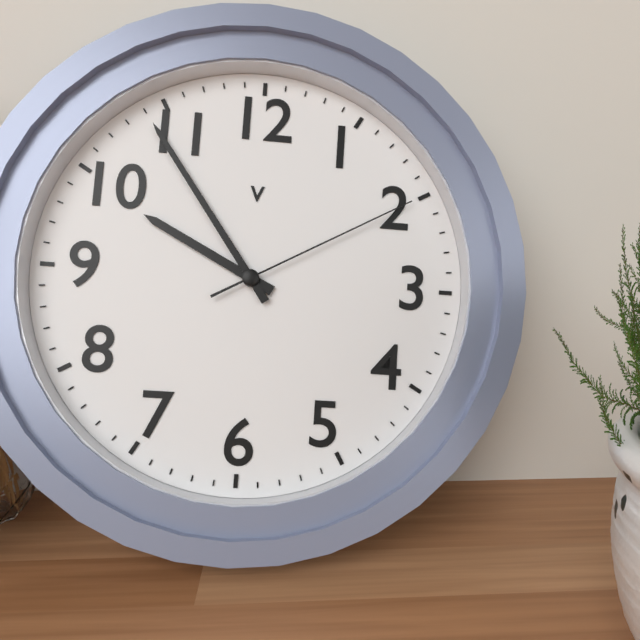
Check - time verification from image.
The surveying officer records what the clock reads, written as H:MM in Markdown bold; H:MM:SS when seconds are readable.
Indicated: **9:54:10**
